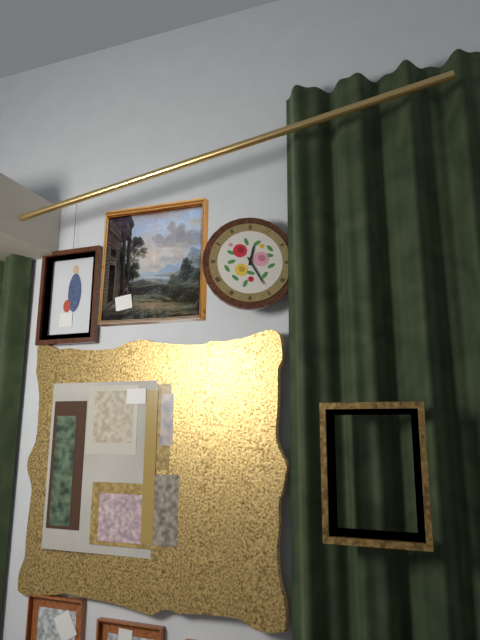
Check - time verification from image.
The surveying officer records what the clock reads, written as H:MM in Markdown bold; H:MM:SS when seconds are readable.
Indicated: **12:25**
